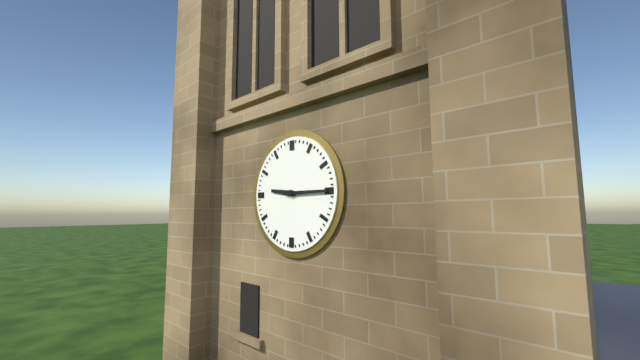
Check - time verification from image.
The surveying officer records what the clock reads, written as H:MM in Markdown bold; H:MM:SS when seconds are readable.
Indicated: **9:15**
